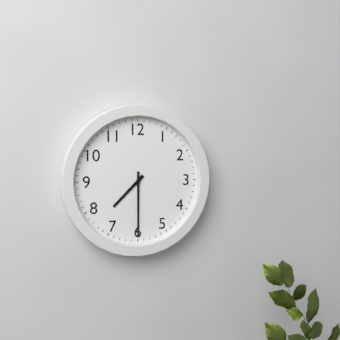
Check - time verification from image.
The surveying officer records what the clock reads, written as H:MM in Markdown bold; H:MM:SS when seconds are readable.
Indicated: **7:30**
